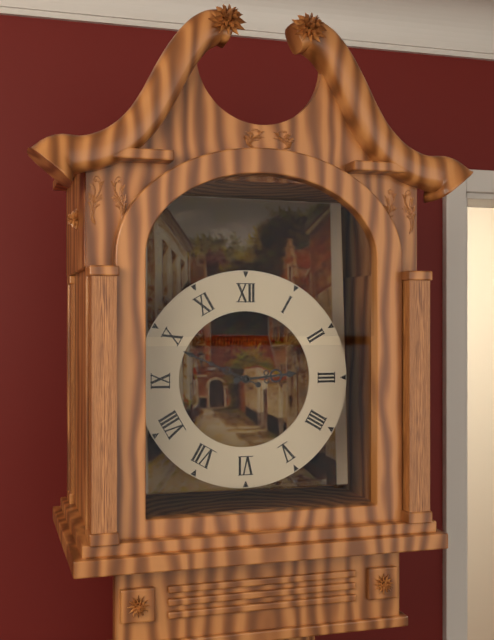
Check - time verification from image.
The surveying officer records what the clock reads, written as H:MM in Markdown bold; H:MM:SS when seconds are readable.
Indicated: **2:49**
